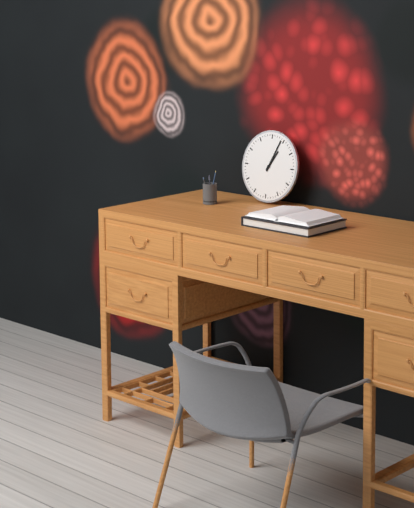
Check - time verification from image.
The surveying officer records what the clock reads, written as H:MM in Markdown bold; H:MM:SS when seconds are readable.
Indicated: **1:04**
